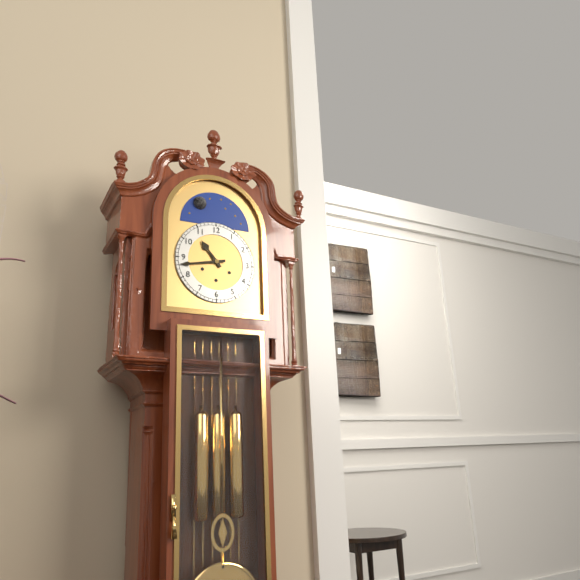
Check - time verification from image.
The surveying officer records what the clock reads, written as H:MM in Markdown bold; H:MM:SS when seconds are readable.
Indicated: **10:43**
